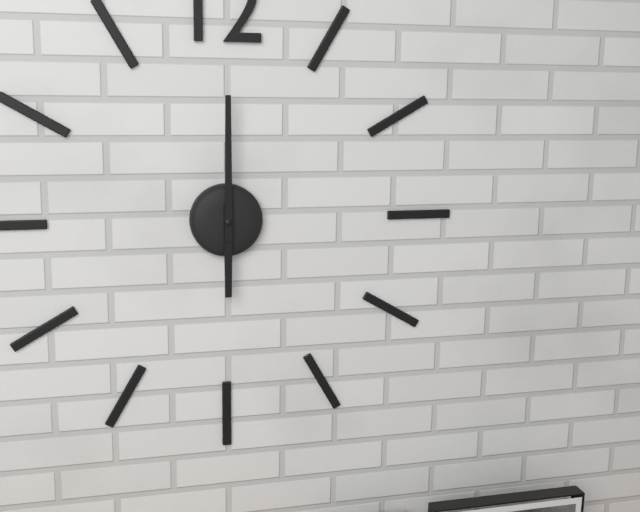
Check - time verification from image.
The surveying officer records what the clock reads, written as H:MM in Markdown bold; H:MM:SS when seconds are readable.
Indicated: **6:00**
